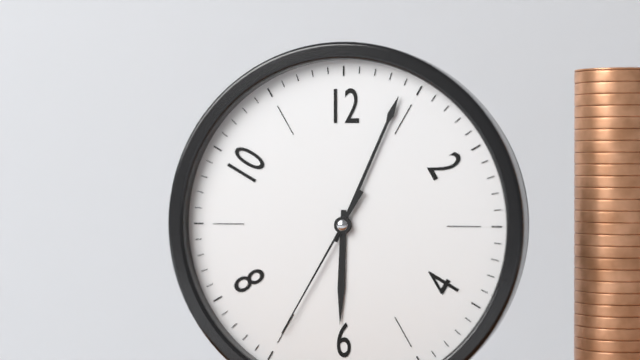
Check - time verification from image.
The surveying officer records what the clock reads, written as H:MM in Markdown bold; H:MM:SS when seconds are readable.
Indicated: **6:04:35**
